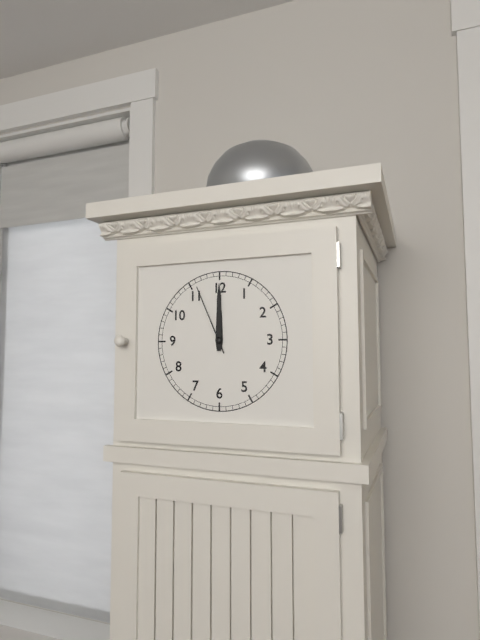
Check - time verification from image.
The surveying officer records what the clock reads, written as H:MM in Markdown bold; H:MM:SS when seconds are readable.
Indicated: **12:00:56**
